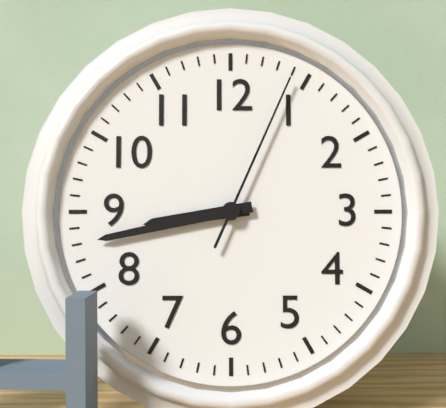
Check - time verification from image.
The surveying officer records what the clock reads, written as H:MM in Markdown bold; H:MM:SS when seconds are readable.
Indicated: **8:43:04**
